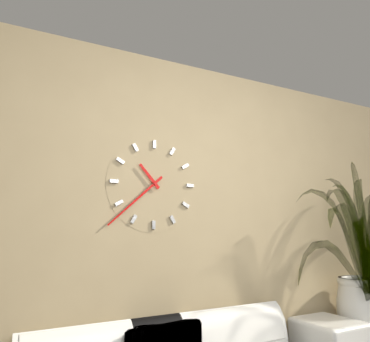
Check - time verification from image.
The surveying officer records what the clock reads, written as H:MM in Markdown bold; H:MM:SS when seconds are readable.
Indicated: **10:38**
